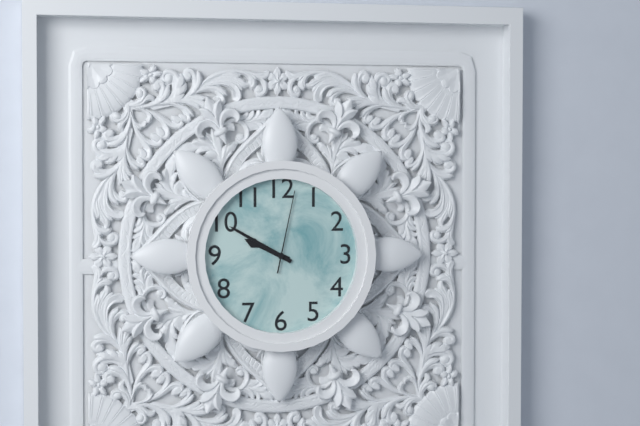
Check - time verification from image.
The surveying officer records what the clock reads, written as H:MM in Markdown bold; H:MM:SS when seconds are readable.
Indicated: **9:50:02**
